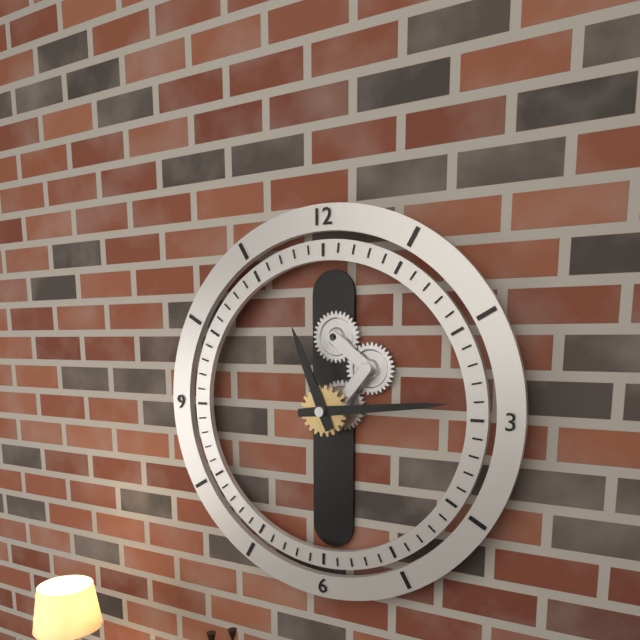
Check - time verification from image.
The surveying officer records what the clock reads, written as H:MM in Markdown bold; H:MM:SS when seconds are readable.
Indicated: **11:14**
